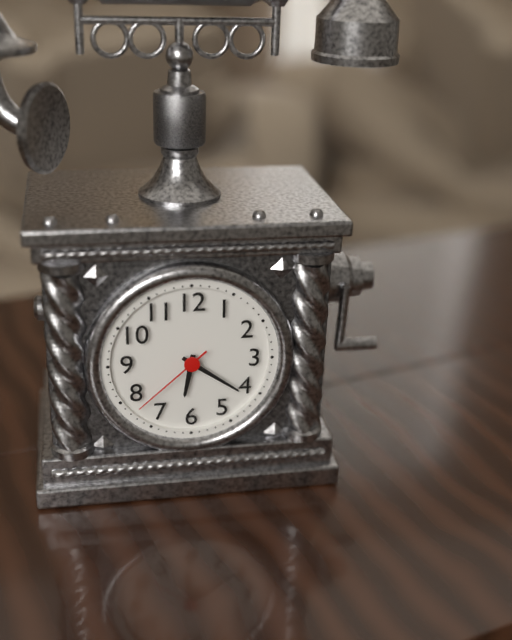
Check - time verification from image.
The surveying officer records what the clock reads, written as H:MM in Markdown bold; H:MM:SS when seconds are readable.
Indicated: **6:21:38**
